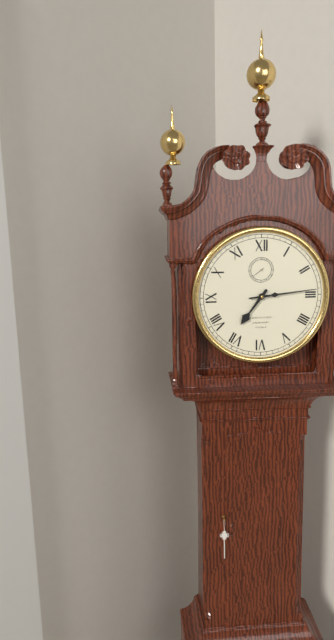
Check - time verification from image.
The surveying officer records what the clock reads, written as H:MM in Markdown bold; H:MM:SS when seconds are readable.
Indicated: **7:14**
